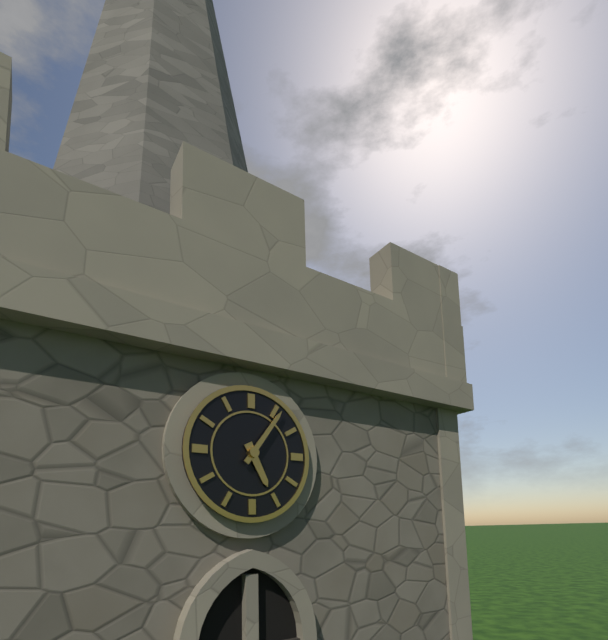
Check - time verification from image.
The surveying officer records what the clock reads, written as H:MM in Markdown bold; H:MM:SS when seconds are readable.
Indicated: **5:06**
